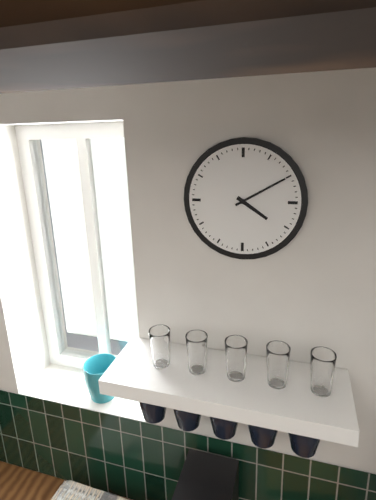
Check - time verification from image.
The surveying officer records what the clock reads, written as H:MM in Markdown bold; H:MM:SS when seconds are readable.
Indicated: **4:10**
